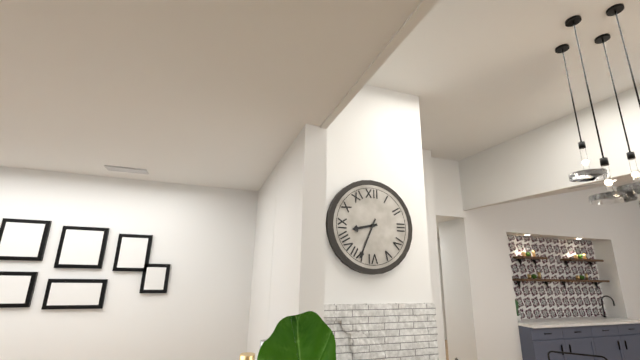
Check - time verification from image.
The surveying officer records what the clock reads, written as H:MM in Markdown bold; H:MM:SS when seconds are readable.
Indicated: **8:34**
